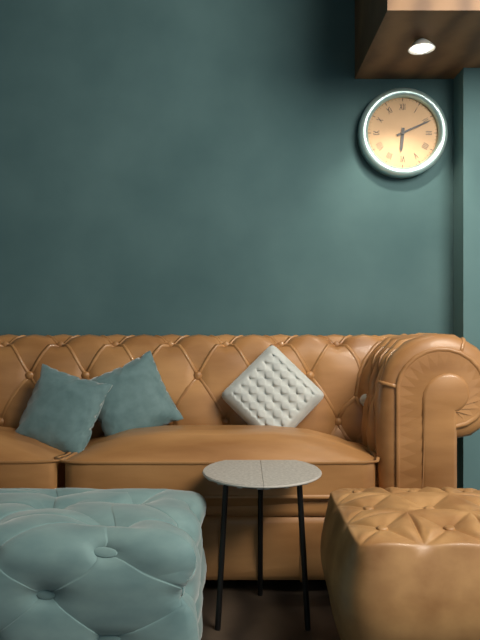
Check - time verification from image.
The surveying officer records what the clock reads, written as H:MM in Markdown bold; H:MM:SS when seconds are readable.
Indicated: **6:11**
